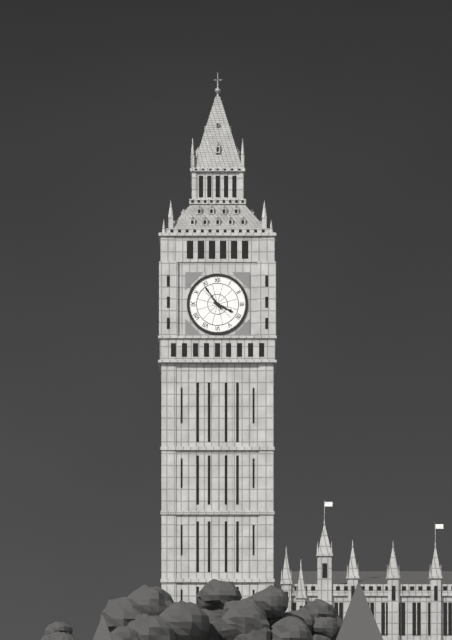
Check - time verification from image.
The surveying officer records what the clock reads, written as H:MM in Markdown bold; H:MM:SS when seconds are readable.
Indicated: **3:54**
